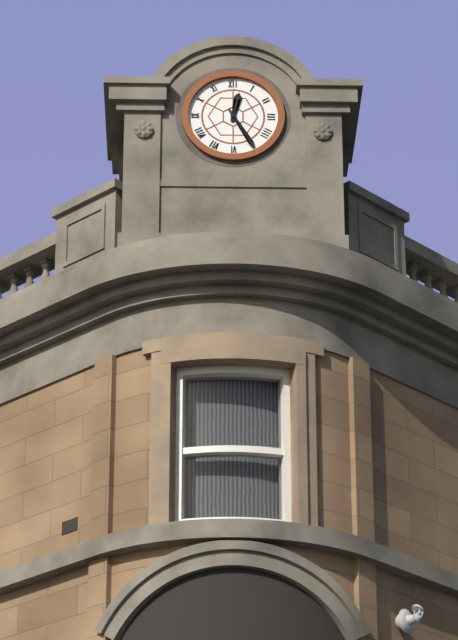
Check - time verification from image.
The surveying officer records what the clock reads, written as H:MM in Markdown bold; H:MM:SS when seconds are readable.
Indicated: **12:25**
